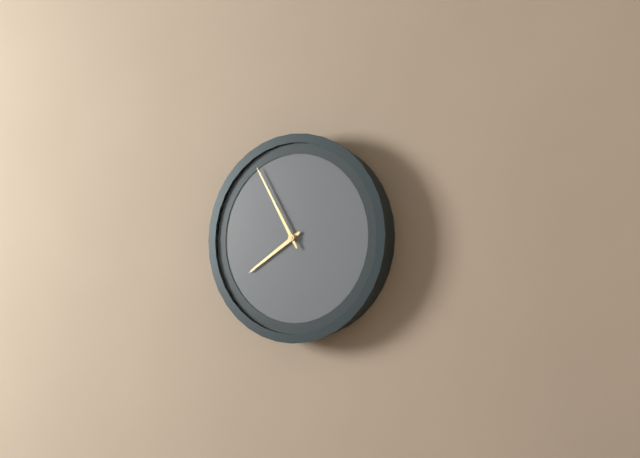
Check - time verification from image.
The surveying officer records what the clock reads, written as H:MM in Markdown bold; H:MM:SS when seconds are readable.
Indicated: **7:55**
